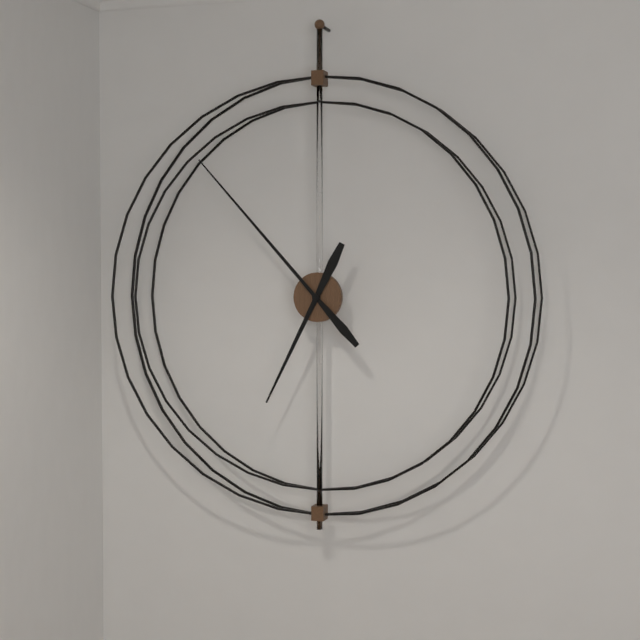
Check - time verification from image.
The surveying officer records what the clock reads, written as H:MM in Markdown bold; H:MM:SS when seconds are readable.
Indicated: **6:53**
